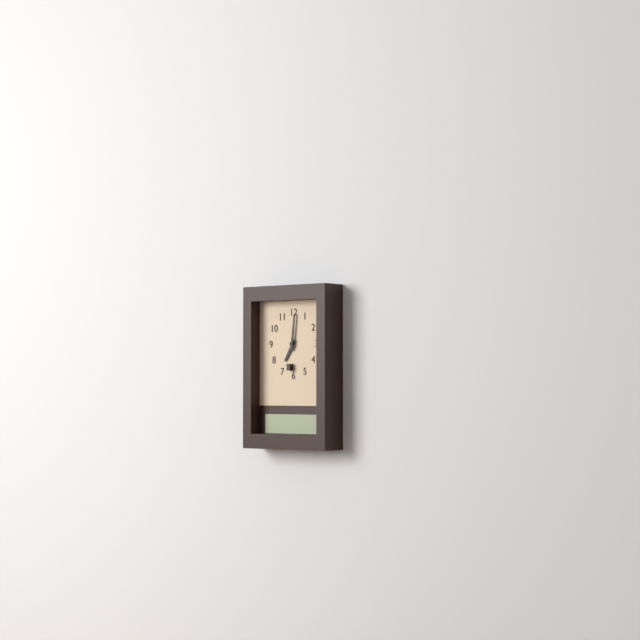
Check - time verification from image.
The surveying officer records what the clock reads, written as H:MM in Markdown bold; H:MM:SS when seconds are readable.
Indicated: **7:01**
